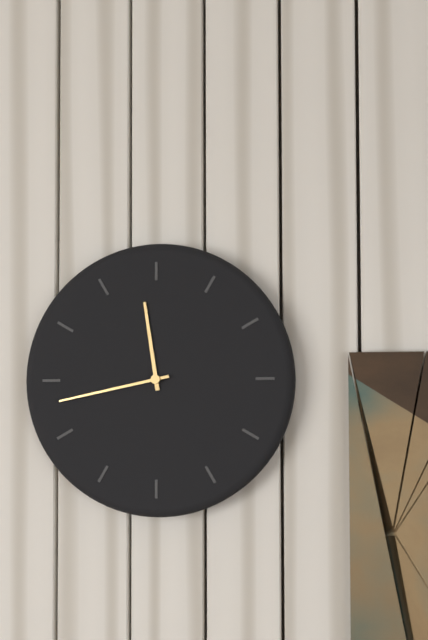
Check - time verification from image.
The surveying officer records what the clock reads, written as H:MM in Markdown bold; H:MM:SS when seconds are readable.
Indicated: **11:43**
